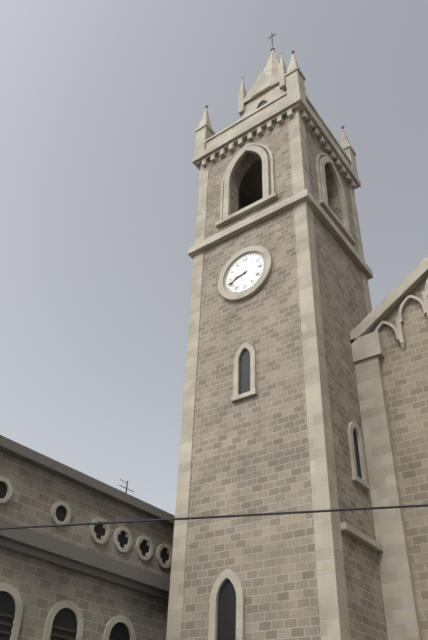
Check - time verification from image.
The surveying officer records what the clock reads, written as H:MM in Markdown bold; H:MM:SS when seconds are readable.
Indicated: **8:42**
